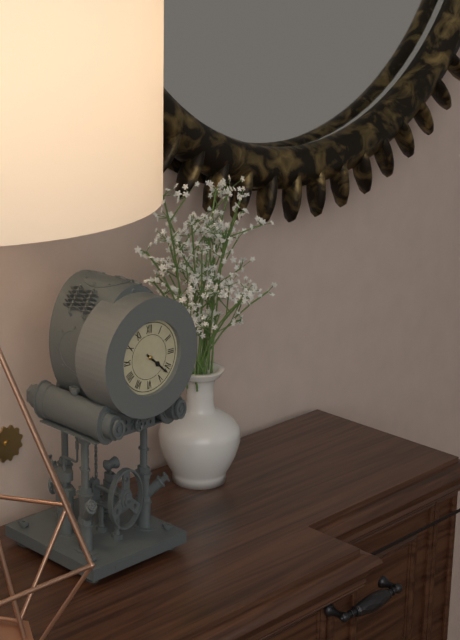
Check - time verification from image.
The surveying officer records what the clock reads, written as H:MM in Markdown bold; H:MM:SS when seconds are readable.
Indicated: **4:22**
